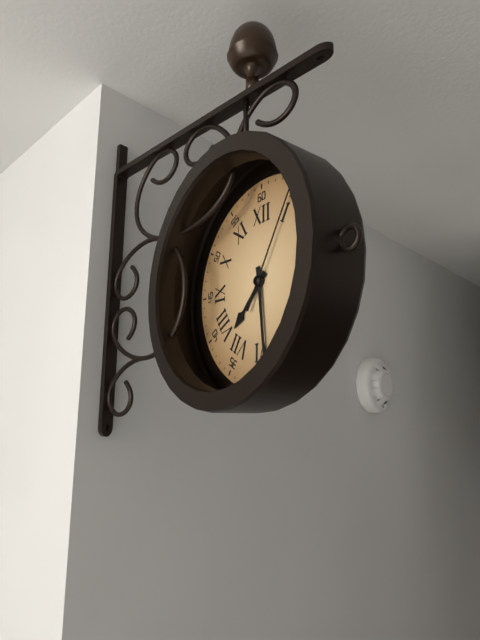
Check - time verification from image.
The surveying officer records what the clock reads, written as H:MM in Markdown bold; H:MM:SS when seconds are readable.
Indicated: **7:29:05**
